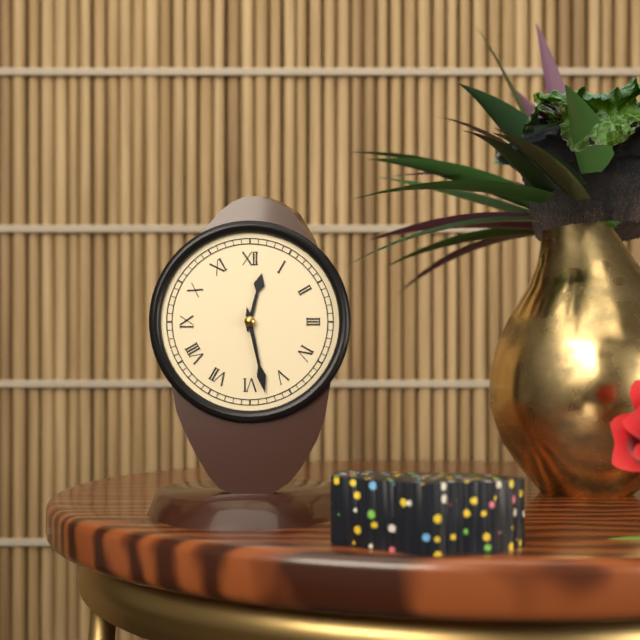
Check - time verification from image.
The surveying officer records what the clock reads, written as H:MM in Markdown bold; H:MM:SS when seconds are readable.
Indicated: **12:28**
